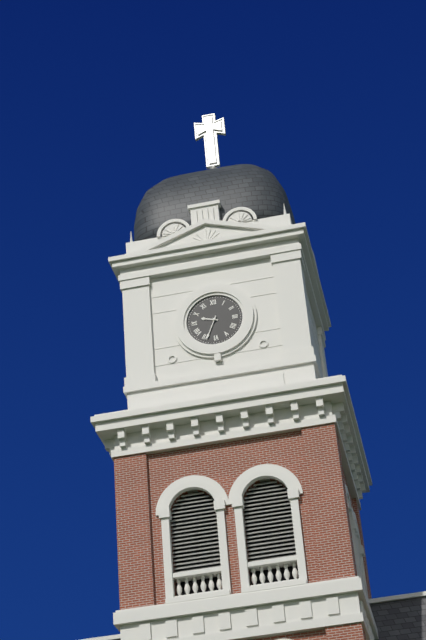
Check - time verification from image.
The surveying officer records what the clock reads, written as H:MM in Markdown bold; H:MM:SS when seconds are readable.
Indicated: **9:34**
